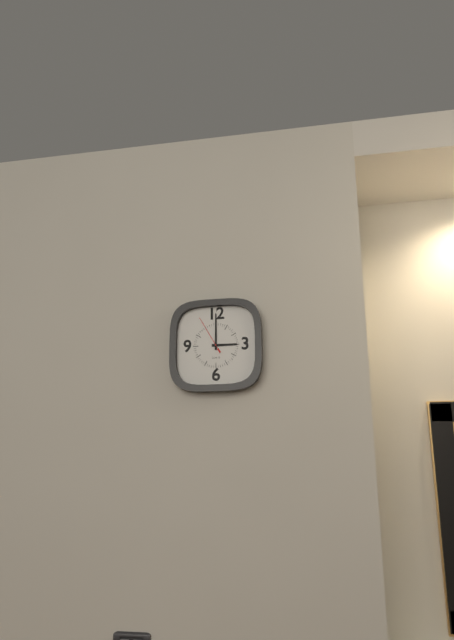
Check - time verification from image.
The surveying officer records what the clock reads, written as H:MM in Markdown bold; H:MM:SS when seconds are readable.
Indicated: **3:00**
